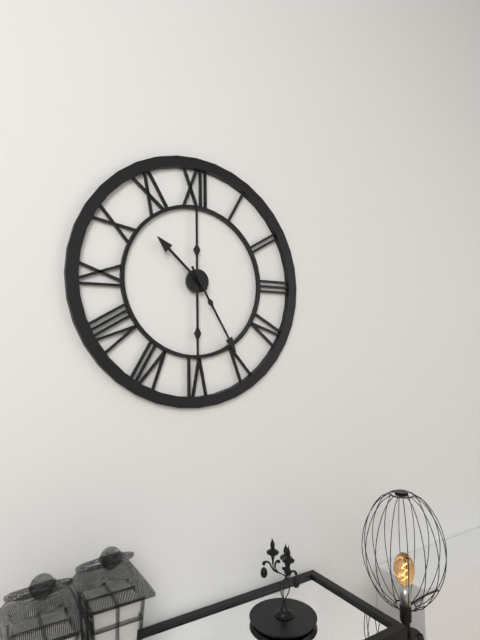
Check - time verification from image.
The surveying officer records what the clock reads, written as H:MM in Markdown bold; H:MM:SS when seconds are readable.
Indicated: **10:25**
